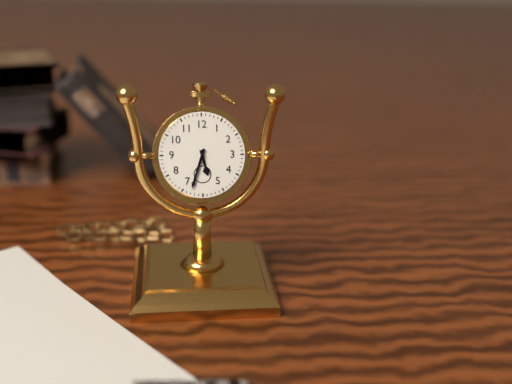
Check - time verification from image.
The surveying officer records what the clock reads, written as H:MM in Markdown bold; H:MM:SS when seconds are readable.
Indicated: **5:33**
